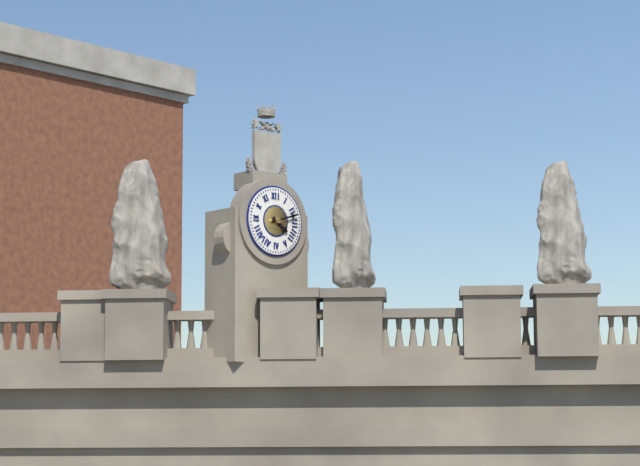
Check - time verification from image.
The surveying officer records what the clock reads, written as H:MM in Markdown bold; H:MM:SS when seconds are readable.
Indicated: **4:12**
